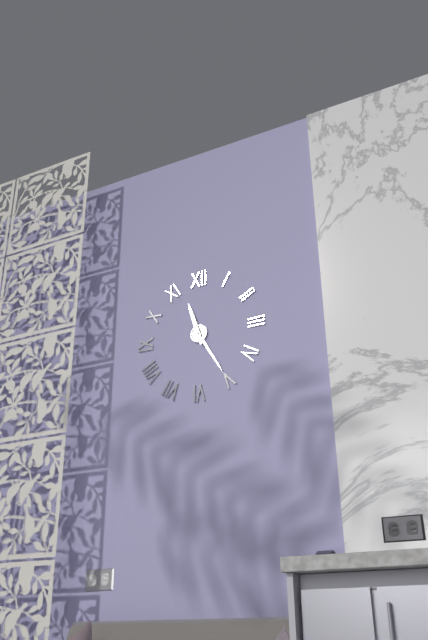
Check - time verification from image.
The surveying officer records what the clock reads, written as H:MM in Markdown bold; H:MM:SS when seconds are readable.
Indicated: **11:25**
